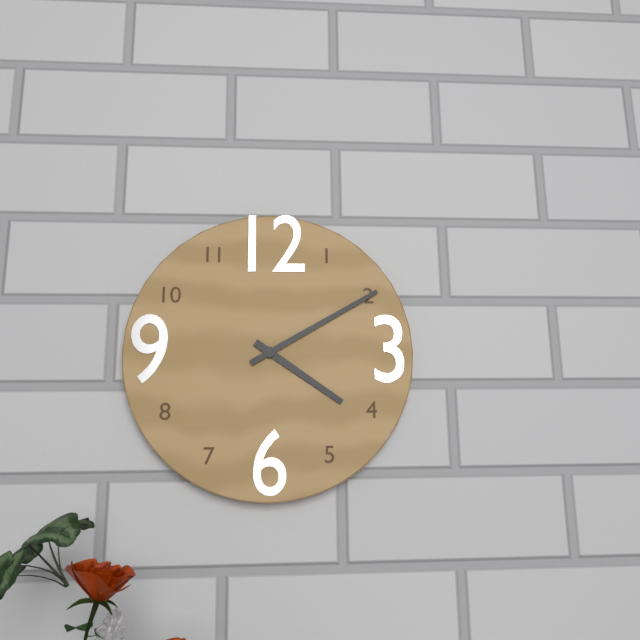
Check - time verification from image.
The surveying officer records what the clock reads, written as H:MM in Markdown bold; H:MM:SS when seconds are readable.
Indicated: **4:10**
